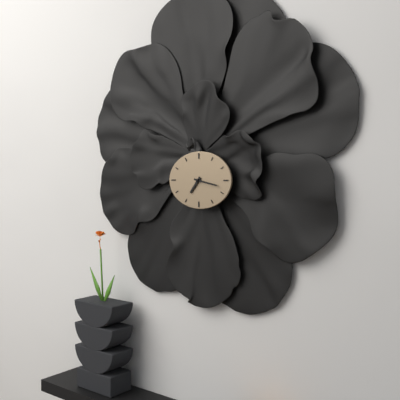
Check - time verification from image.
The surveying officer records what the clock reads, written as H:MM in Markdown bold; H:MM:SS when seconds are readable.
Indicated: **7:17**
